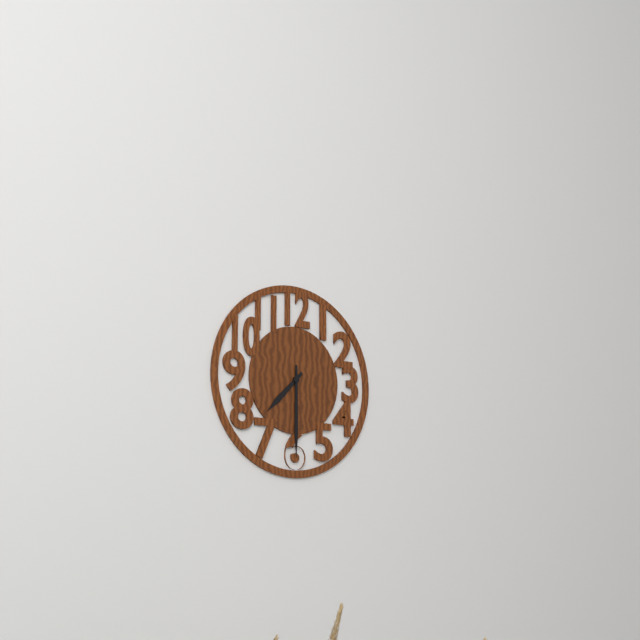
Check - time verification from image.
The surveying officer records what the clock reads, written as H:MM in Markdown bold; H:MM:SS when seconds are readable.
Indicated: **7:30**
